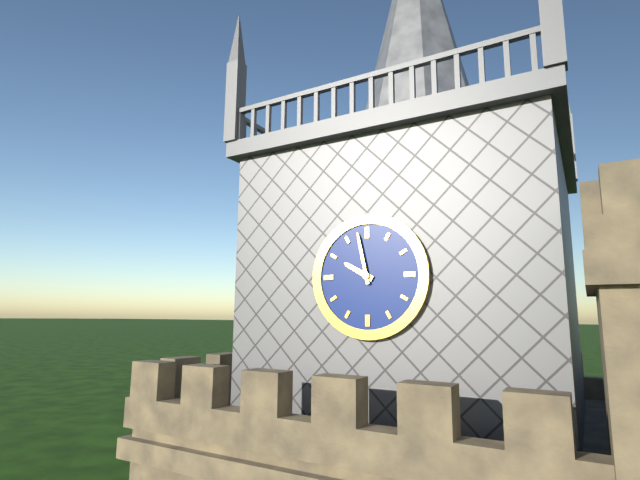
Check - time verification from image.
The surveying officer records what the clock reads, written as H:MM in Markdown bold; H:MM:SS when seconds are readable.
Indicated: **9:58**
